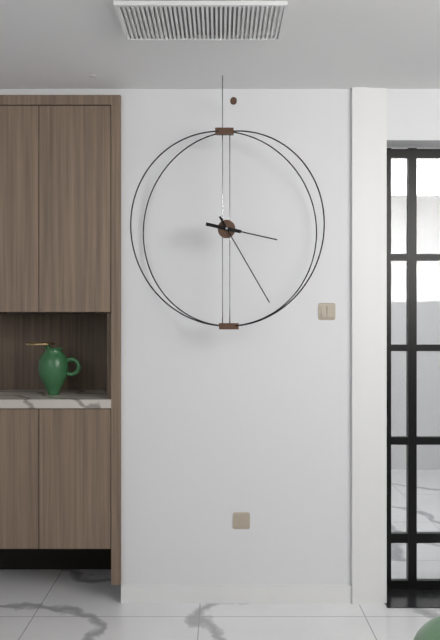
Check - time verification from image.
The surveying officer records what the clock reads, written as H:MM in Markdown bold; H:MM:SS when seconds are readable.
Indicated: **3:25**
